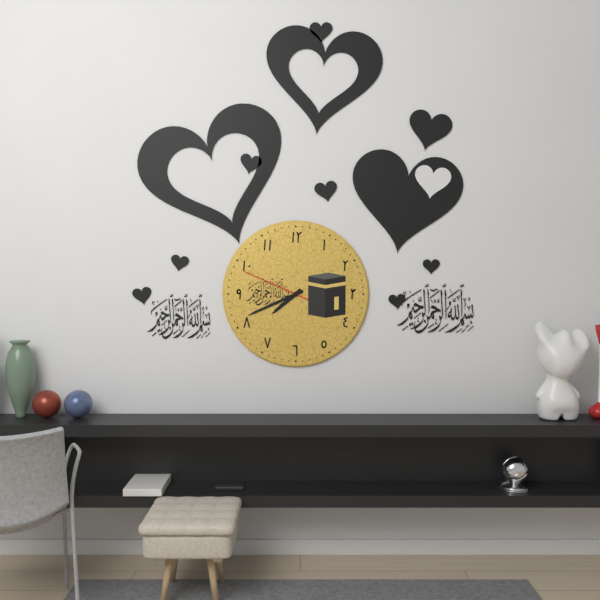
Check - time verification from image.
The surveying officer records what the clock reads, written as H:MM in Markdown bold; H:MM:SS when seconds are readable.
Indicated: **7:41:49**
